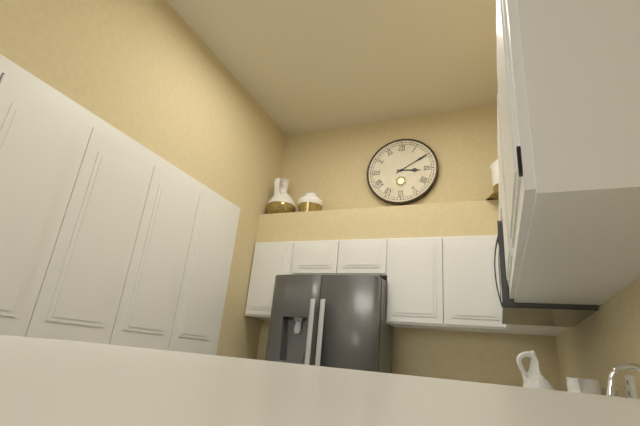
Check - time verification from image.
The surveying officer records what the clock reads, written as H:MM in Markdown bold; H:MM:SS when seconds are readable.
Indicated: **3:10**
